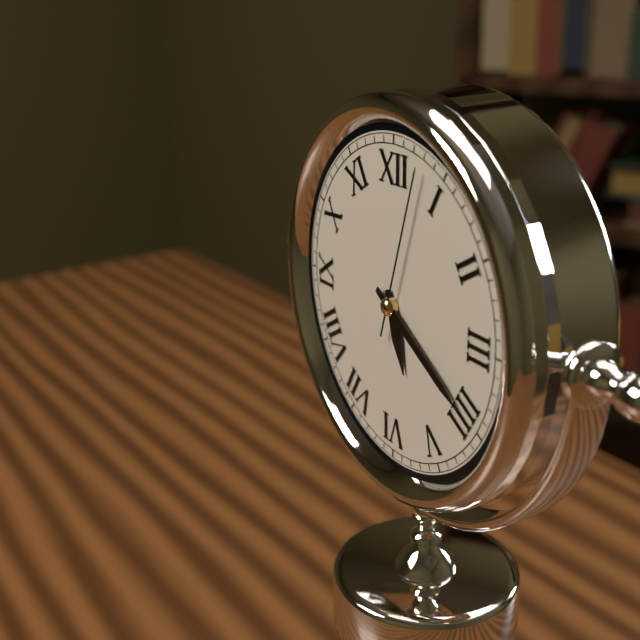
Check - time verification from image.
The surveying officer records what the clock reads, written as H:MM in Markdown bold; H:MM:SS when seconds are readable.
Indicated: **5:20:03**
